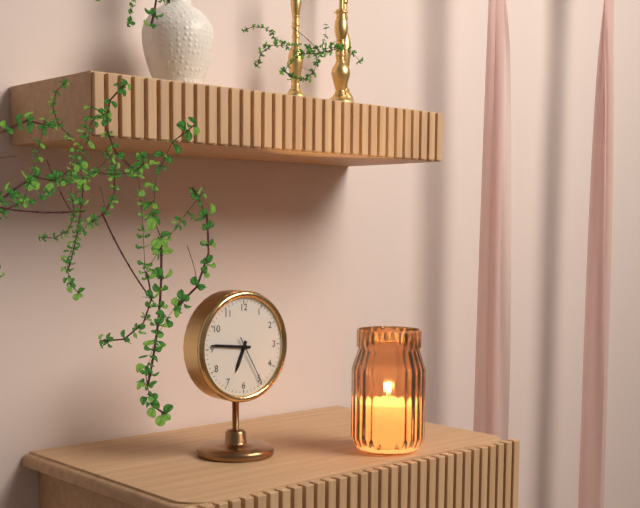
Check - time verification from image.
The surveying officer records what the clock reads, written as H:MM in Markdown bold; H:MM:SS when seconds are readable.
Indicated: **6:46**
